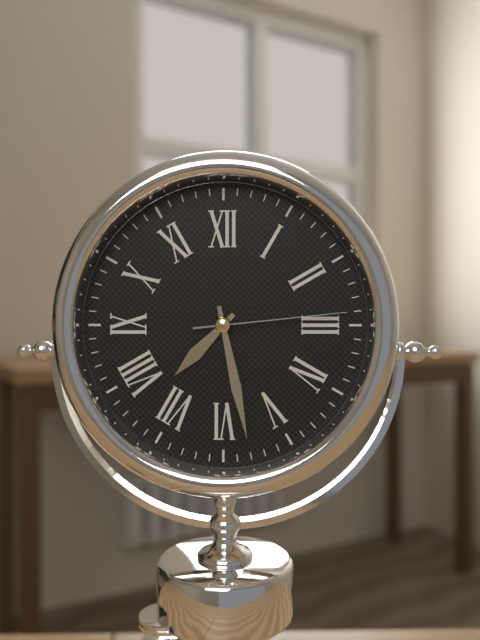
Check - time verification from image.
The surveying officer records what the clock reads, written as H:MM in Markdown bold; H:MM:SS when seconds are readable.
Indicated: **7:28:14**
